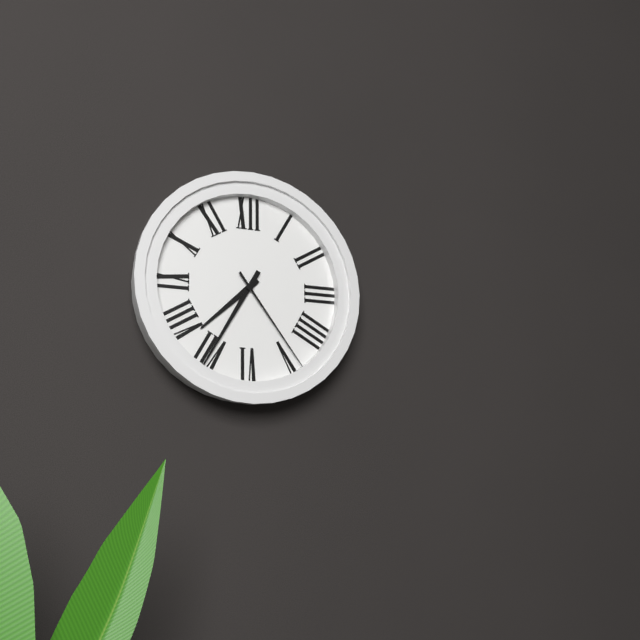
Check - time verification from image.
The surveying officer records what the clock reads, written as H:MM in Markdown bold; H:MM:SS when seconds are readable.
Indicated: **7:35:24**
